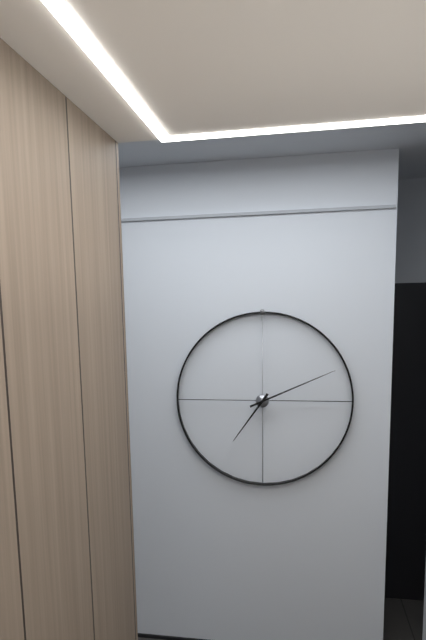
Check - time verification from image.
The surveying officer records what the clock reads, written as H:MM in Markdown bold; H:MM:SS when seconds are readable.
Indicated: **7:11**
